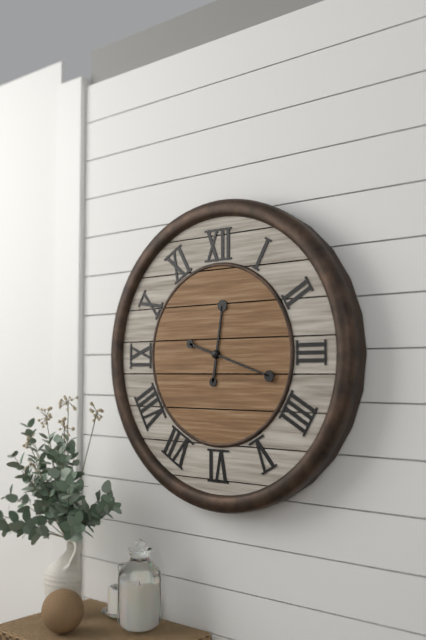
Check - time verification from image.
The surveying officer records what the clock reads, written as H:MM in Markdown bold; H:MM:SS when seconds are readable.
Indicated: **12:18**
